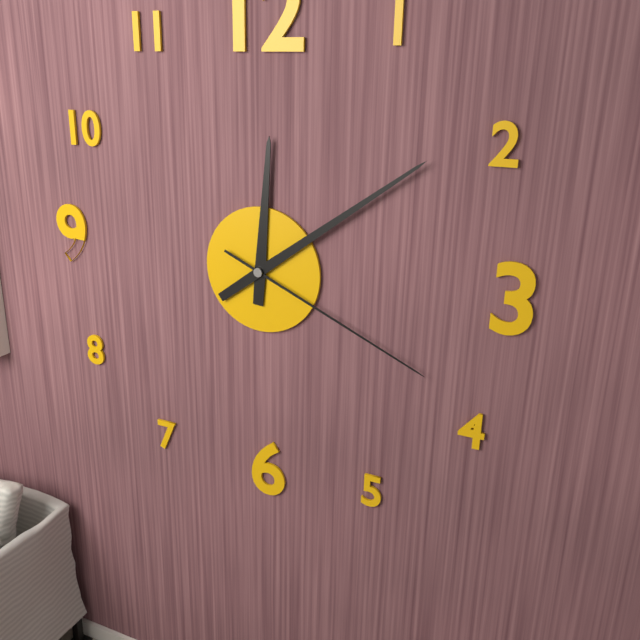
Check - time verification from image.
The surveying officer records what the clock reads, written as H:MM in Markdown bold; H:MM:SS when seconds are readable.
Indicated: **12:09:19**
